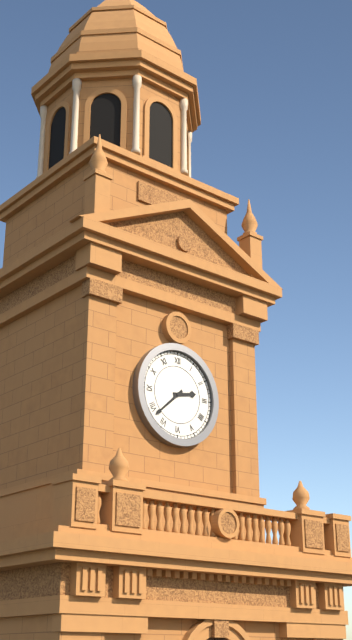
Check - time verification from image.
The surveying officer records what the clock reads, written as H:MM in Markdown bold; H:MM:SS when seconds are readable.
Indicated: **2:38**
